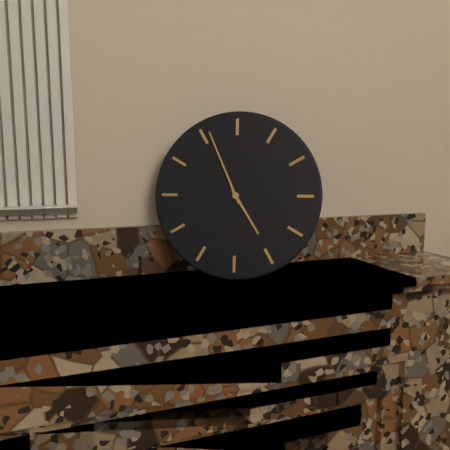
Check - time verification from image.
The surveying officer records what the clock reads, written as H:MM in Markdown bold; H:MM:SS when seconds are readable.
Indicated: **4:56**
